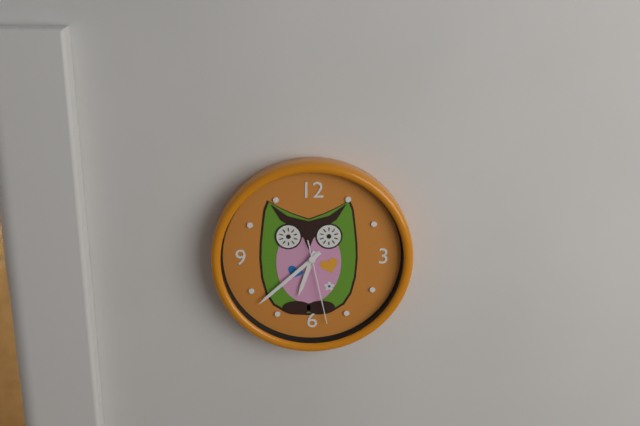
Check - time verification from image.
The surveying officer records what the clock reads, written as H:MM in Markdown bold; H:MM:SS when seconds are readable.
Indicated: **6:38:28**
